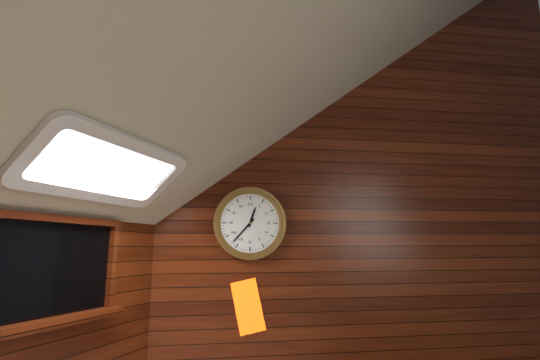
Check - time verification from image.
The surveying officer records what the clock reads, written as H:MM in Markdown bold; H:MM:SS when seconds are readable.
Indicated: **12:37**
